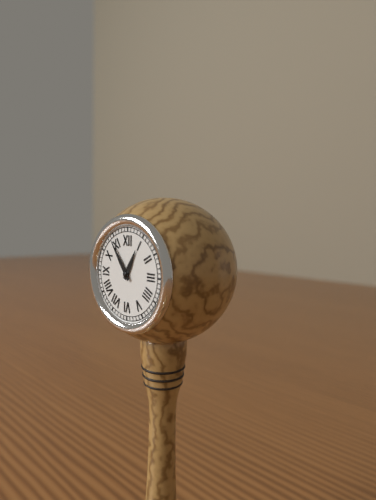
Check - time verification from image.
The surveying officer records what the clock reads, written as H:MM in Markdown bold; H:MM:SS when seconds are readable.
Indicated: **12:54**
